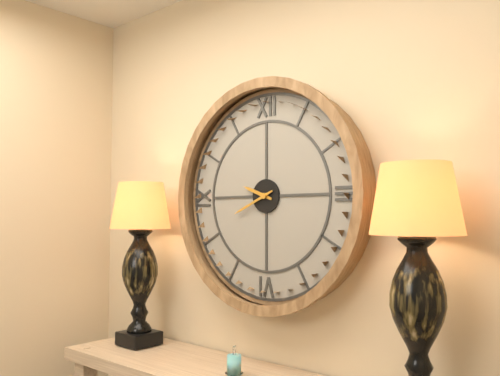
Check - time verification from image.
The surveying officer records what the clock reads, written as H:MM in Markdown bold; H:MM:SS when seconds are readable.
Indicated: **9:41**
